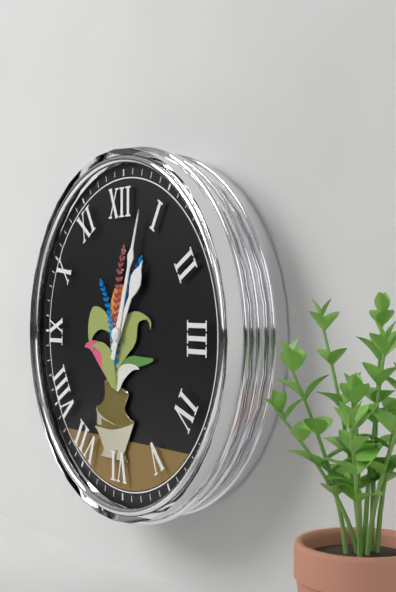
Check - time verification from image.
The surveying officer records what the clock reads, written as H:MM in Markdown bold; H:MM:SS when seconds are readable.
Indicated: **1:03**
